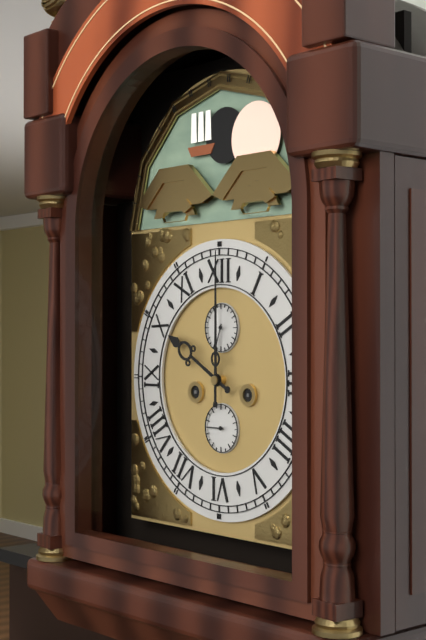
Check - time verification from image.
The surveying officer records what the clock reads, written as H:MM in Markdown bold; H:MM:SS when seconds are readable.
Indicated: **10:00**
